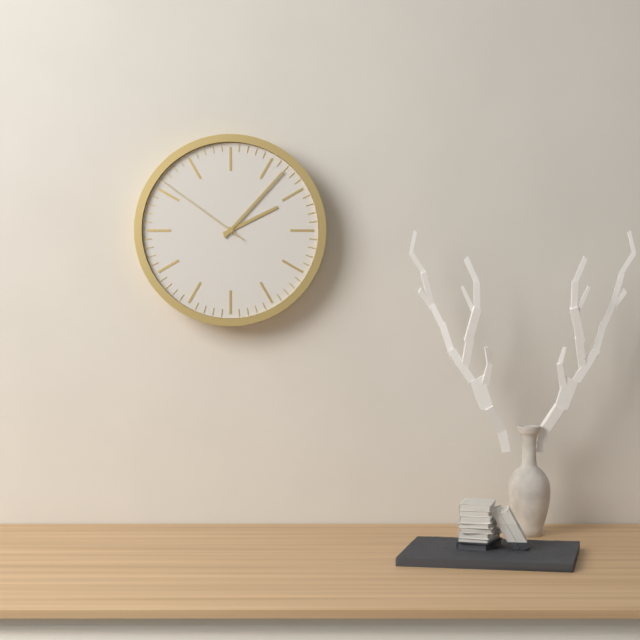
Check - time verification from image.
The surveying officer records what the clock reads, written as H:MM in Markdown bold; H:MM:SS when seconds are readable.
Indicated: **2:07:51**
